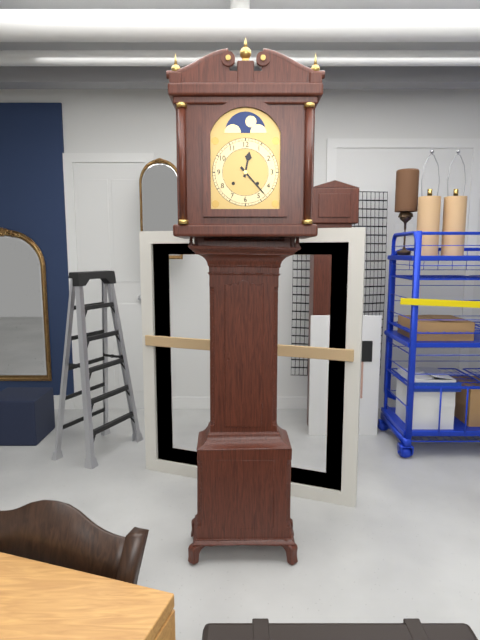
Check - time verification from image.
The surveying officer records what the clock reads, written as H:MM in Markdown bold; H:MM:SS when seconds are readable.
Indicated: **12:23**
